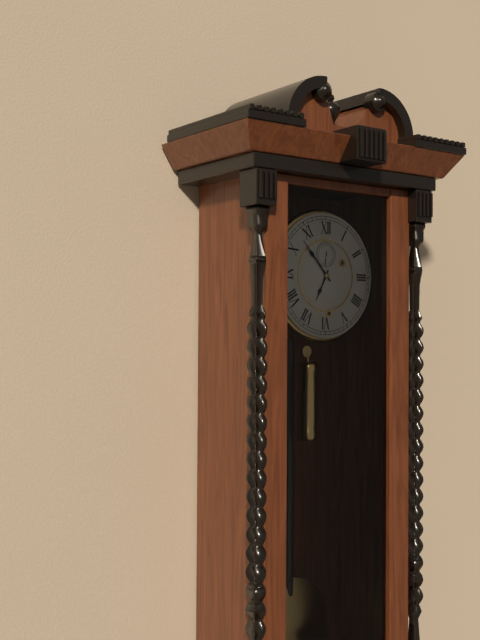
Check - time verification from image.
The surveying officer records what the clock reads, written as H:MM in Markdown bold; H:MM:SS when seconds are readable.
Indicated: **6:53**
